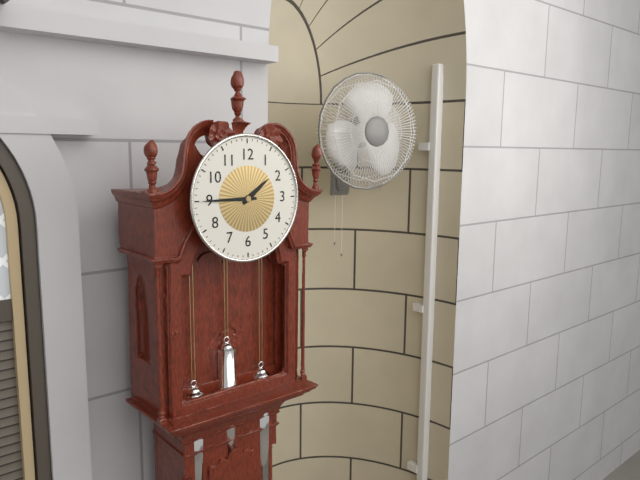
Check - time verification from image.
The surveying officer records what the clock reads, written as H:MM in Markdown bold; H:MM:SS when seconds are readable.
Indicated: **1:45**
